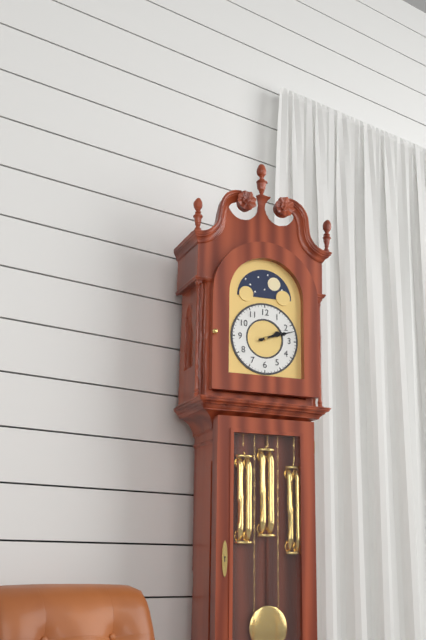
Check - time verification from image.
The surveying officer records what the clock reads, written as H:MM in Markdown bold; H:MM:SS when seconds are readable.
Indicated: **2:12**
